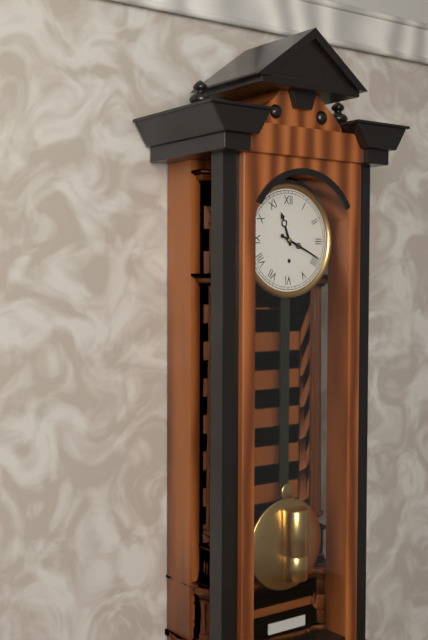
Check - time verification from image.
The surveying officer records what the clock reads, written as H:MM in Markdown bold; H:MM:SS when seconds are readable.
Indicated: **11:19**
